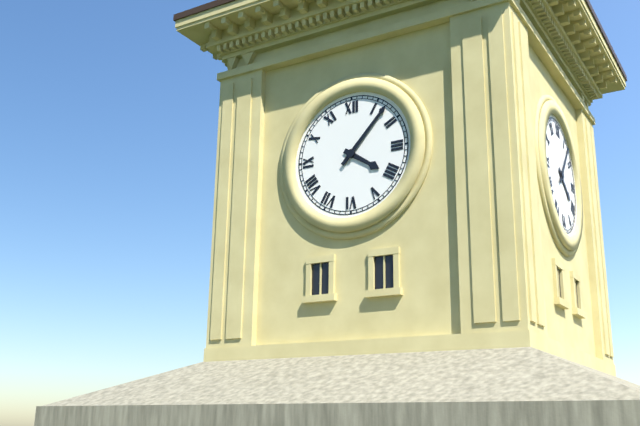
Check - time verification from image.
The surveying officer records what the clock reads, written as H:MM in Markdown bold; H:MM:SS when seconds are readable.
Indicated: **4:07**
